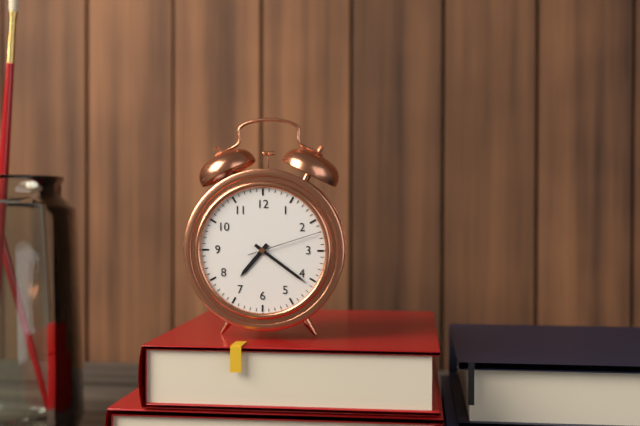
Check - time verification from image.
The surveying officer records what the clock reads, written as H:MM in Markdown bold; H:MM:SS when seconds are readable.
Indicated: **7:21:12**
